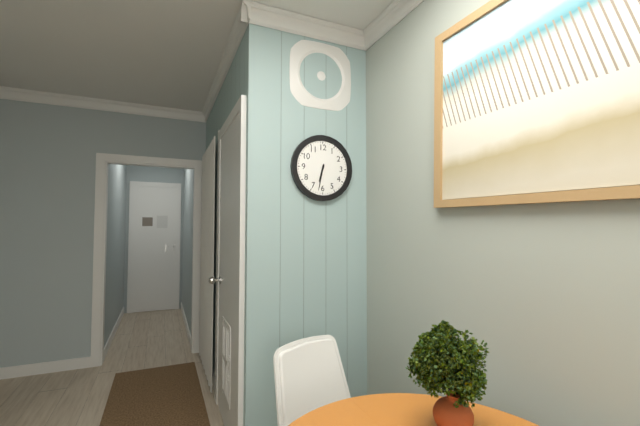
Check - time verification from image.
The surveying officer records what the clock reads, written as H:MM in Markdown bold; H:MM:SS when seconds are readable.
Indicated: **6:32**
